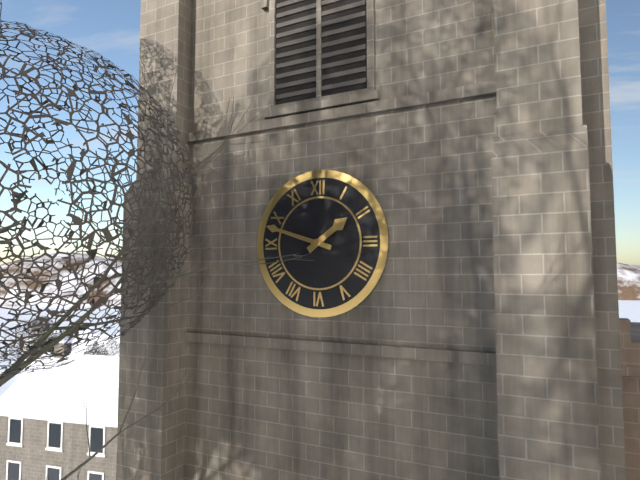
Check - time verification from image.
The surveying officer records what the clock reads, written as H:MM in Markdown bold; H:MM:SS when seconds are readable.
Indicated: **1:48**
